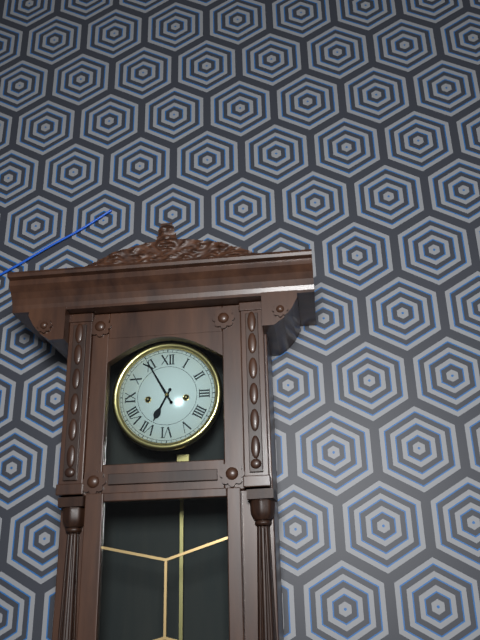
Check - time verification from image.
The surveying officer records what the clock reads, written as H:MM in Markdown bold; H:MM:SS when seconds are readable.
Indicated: **6:55**
